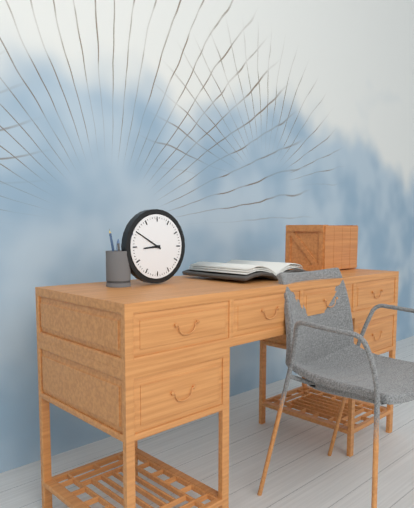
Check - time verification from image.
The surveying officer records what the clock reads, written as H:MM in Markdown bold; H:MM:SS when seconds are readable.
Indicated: **8:50**
